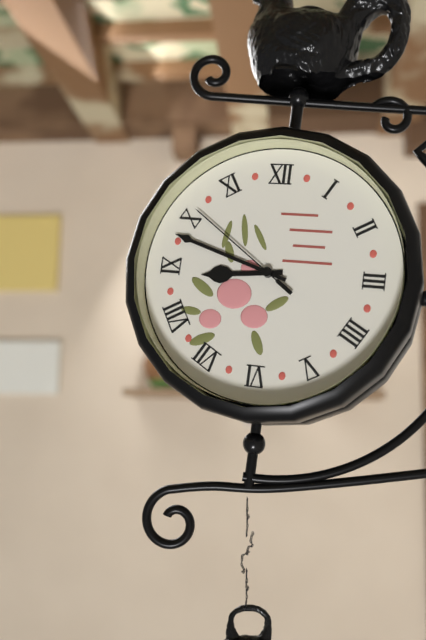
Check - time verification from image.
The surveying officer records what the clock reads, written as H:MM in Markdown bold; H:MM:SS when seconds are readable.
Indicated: **8:48:51**
